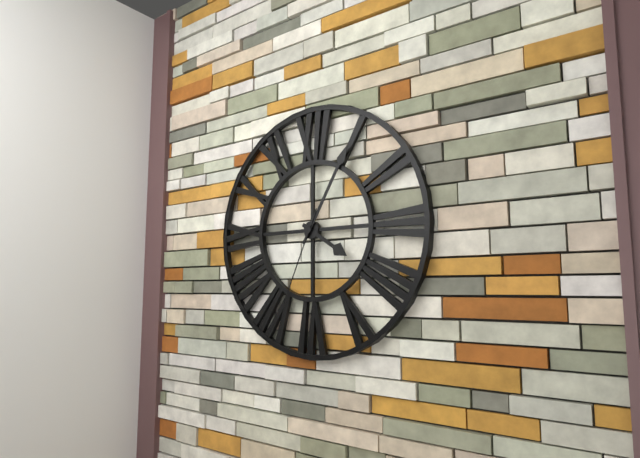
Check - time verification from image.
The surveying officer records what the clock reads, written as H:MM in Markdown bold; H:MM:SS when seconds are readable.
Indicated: **4:05:34**
